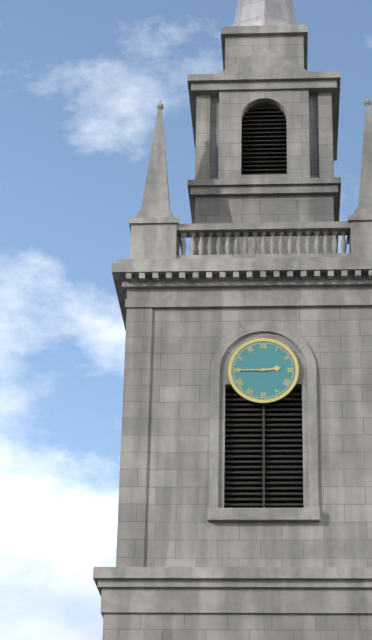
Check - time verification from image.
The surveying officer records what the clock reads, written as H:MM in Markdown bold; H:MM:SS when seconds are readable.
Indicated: **2:45**
